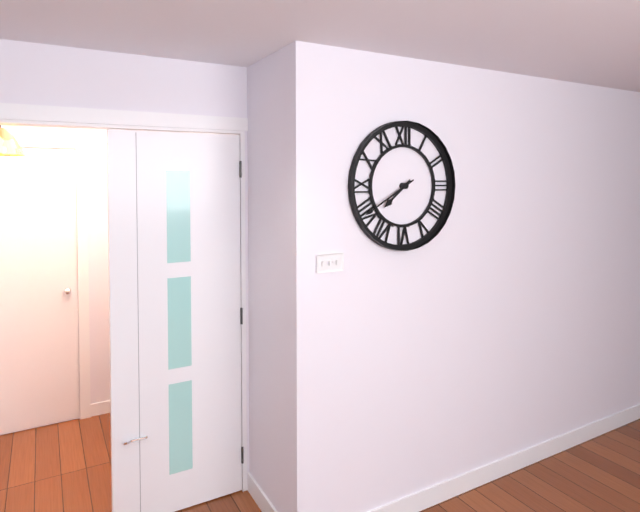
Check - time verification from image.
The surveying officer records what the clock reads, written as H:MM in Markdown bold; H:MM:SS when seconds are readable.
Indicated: **7:40**
